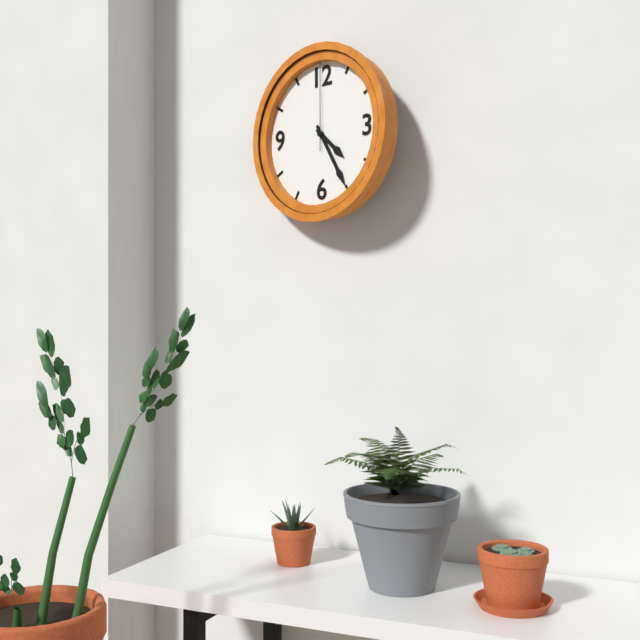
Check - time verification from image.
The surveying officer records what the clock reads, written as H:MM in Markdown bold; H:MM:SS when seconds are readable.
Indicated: **4:25:00**
